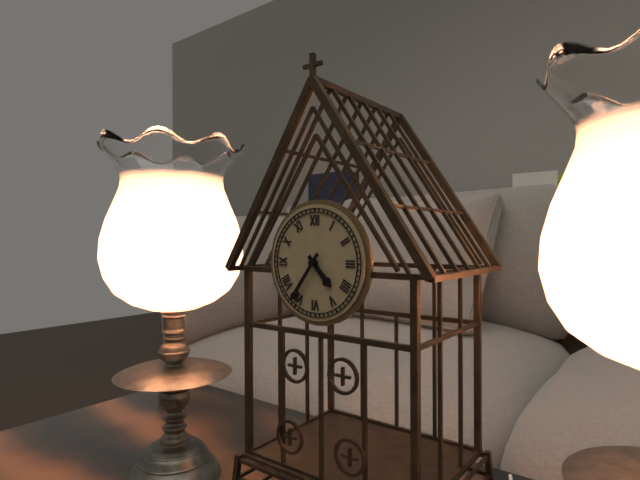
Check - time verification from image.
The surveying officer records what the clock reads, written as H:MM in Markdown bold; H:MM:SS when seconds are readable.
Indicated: **4:36**
